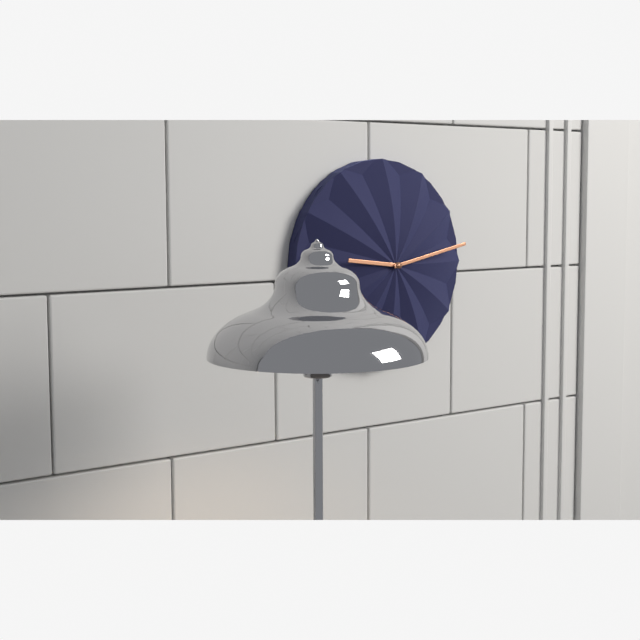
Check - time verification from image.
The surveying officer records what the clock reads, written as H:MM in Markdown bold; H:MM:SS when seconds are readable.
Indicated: **9:13**
